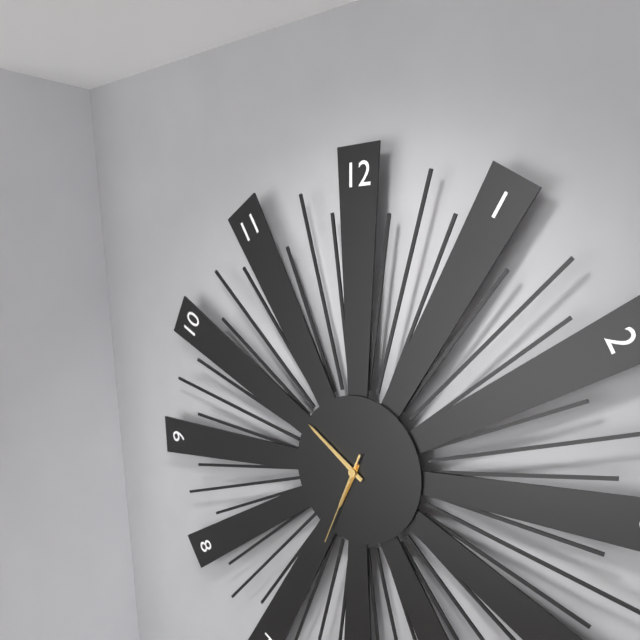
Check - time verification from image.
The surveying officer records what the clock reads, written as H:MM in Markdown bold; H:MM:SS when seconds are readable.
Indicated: **6:51:34**
